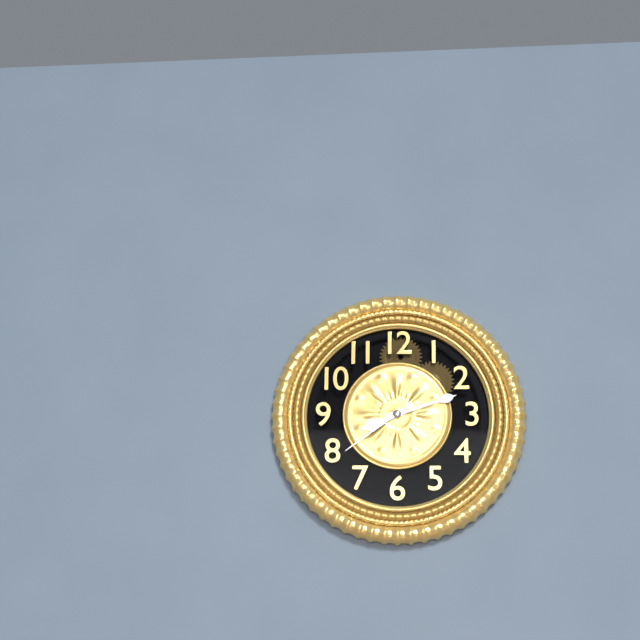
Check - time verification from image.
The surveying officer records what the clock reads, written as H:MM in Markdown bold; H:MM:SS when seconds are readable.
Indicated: **8:12:39**
